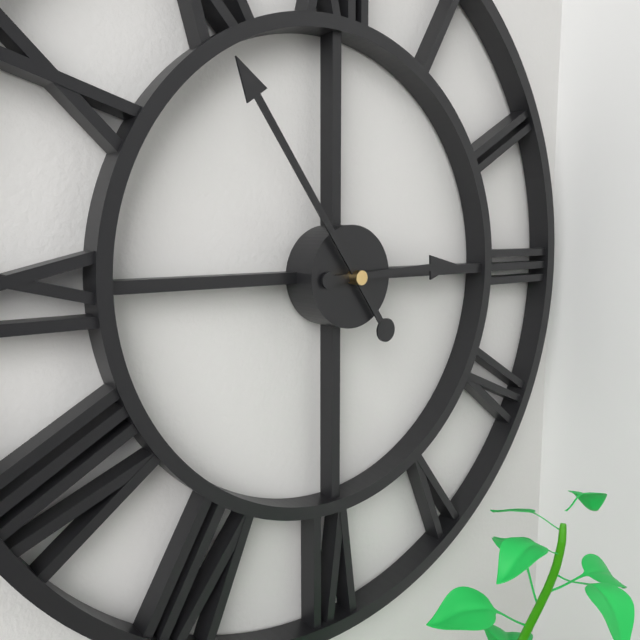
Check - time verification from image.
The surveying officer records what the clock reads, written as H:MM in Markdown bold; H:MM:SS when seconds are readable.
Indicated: **2:54**
